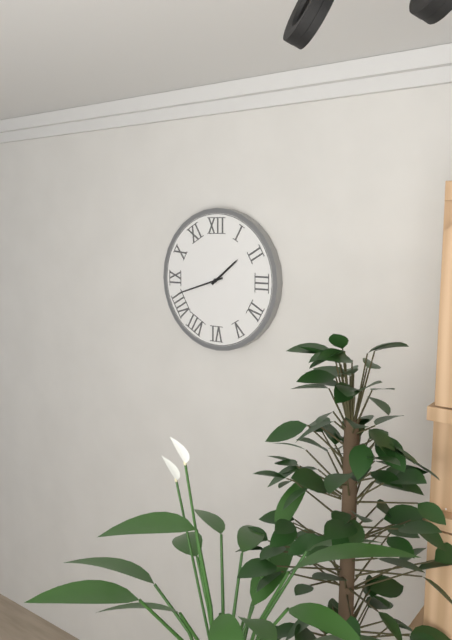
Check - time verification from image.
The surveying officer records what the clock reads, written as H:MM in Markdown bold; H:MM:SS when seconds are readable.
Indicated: **1:42**
